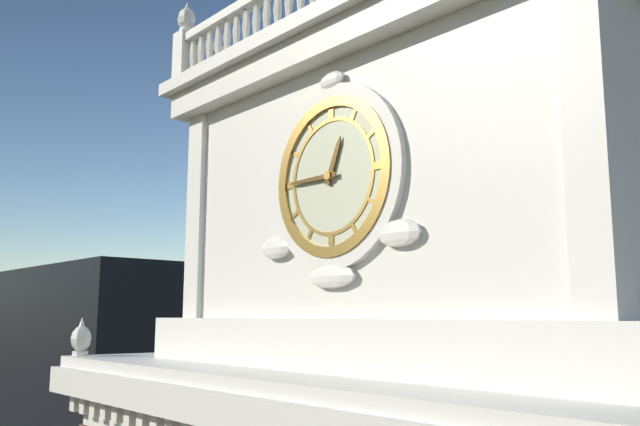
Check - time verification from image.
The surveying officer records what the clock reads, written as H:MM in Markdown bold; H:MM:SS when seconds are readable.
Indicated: **12:45**
